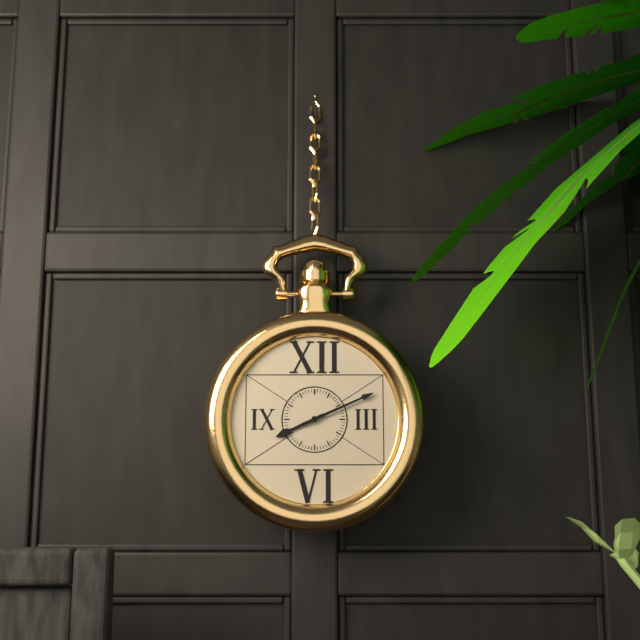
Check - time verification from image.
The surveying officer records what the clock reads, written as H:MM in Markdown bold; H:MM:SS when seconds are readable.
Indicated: **8:11**
